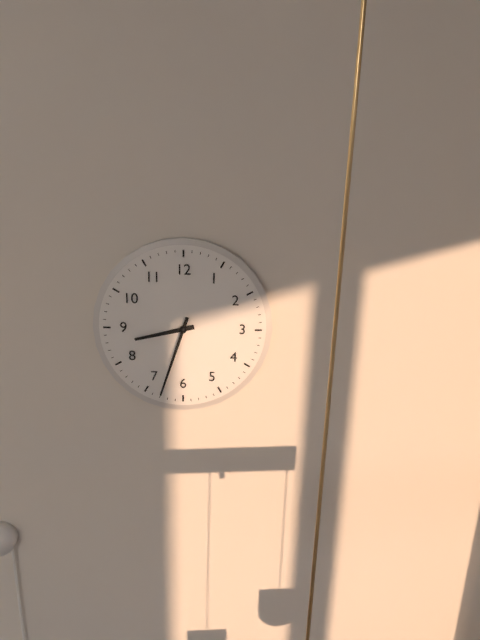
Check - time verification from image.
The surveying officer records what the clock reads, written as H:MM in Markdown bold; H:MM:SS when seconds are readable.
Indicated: **8:33**
